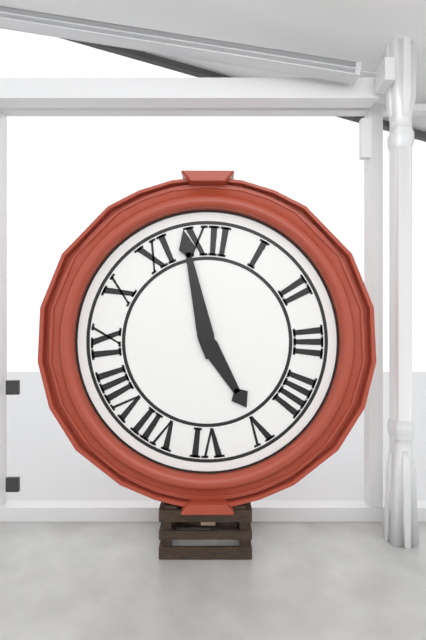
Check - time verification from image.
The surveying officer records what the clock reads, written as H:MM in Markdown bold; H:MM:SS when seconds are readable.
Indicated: **4:58**
